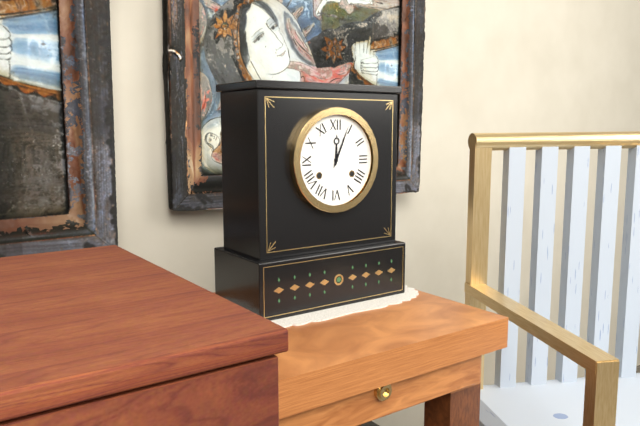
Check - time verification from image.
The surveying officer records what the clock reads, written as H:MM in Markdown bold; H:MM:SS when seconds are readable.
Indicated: **12:04**
